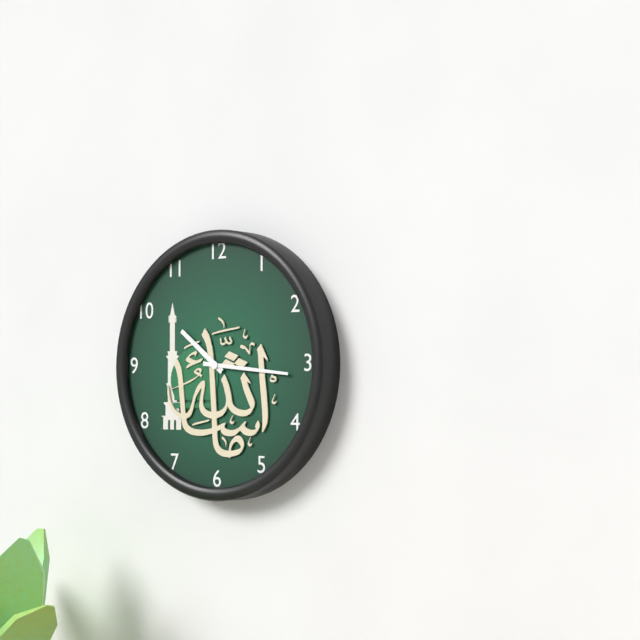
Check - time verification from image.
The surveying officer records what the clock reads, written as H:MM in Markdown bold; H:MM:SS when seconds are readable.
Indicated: **10:16**
